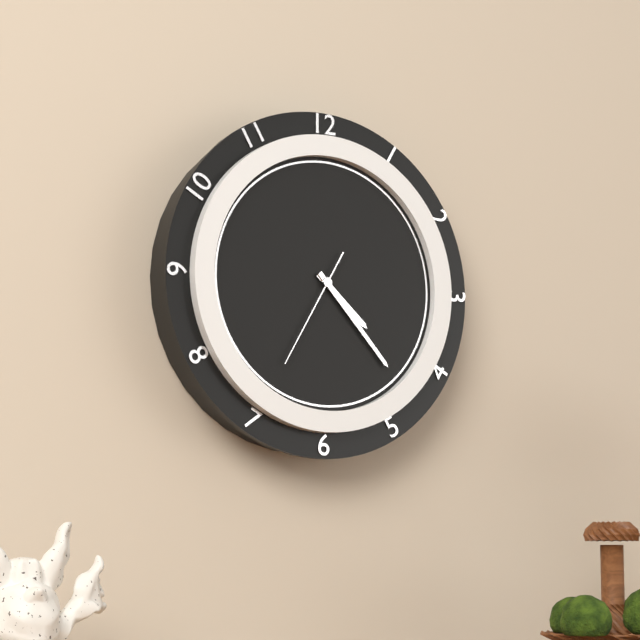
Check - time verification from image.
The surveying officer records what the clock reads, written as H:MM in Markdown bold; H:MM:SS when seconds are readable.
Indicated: **4:23:35**
